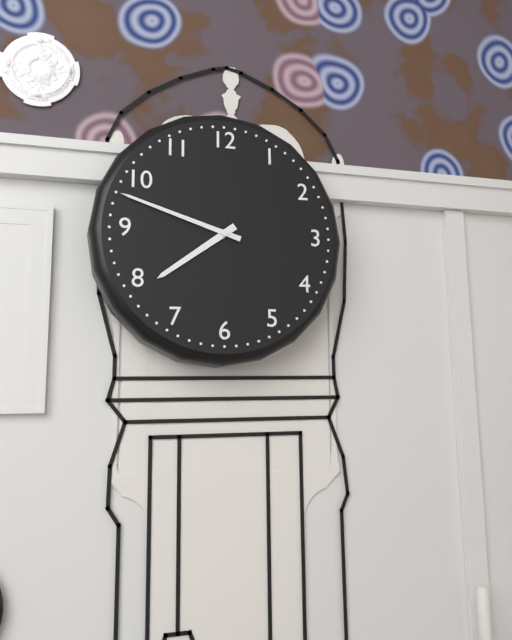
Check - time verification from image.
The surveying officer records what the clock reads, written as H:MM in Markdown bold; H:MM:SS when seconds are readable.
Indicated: **7:48**
